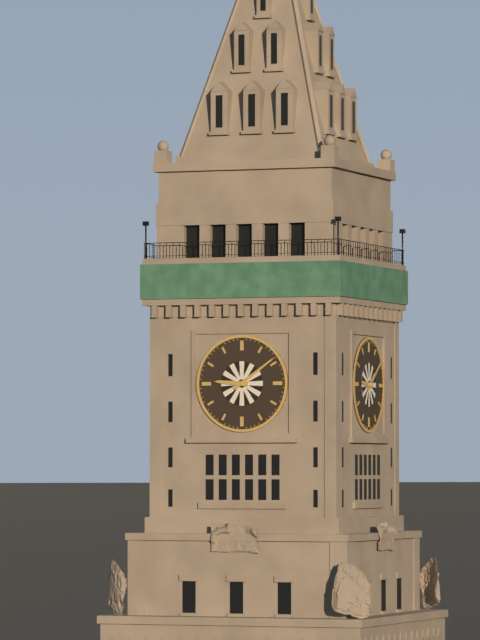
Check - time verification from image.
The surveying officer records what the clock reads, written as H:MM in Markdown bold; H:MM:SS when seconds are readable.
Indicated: **9:09**
